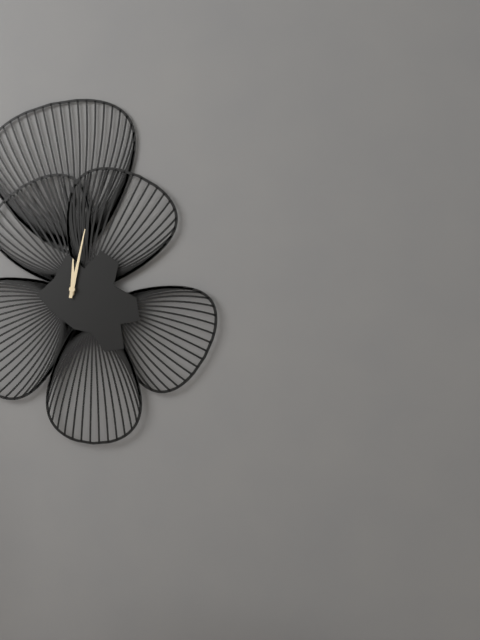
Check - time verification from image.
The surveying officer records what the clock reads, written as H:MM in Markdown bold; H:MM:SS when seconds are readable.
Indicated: **12:02**
